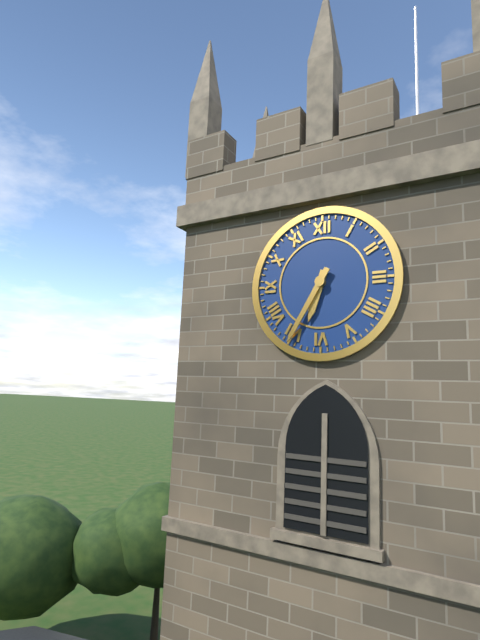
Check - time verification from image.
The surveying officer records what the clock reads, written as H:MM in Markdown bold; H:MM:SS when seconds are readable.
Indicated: **6:35**
